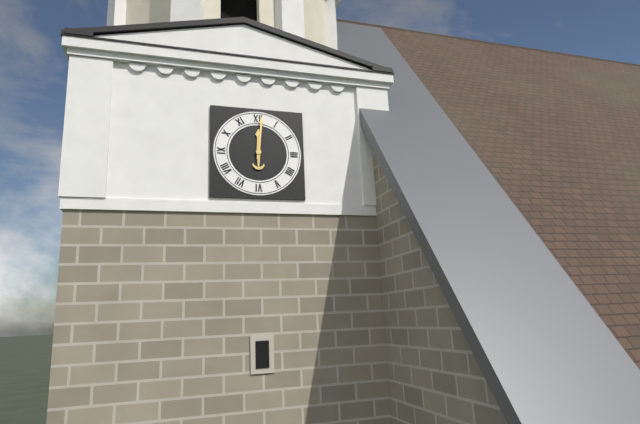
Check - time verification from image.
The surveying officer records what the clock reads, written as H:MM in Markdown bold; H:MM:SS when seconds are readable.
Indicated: **12:01**
